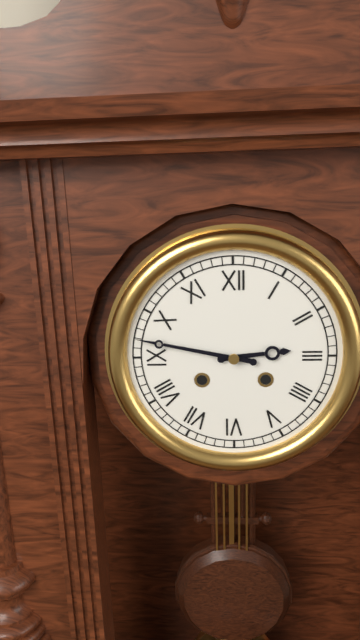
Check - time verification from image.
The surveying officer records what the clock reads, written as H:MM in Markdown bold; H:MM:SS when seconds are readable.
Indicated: **2:47**
